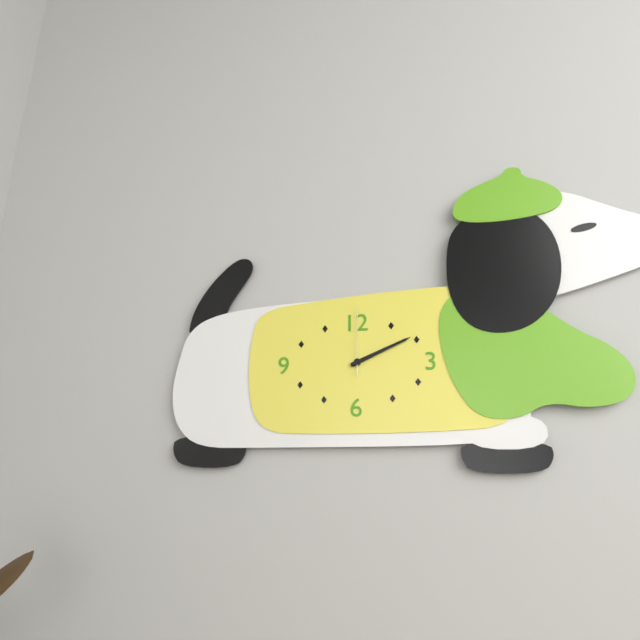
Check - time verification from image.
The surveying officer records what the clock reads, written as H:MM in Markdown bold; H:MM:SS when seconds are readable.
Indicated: **2:11:00**
